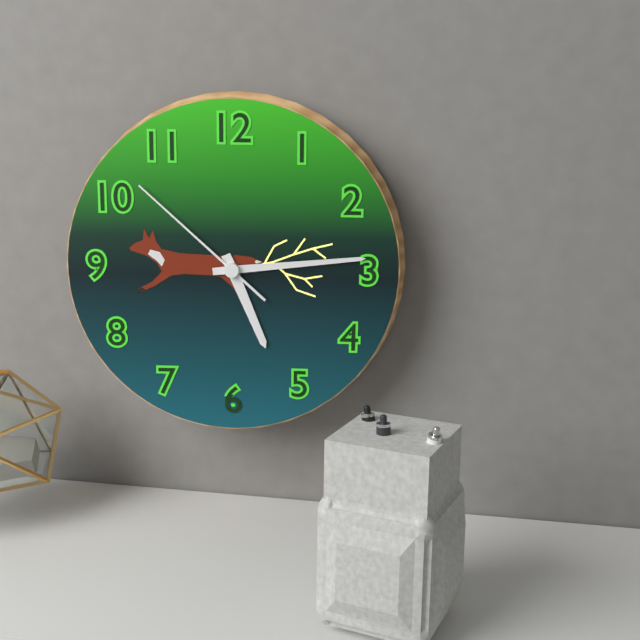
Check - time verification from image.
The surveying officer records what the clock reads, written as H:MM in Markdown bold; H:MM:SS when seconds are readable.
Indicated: **5:14:52**
